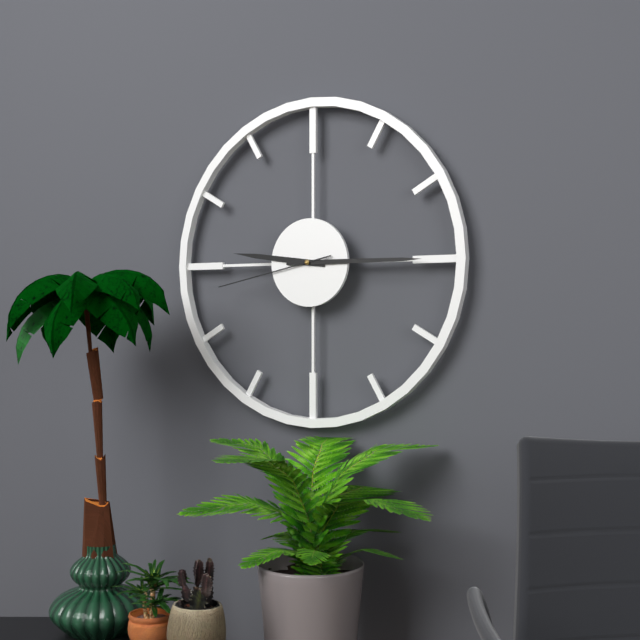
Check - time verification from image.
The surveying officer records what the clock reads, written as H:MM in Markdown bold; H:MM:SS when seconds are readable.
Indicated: **9:15:43**
